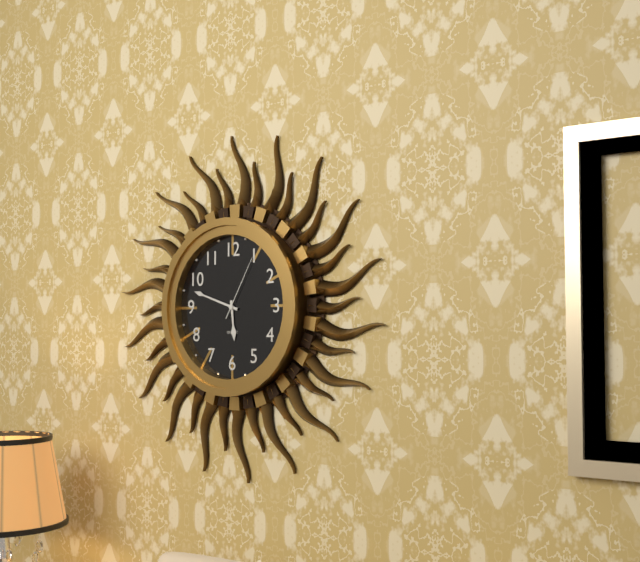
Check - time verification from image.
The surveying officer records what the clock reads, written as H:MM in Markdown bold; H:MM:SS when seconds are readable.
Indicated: **5:48:05**
